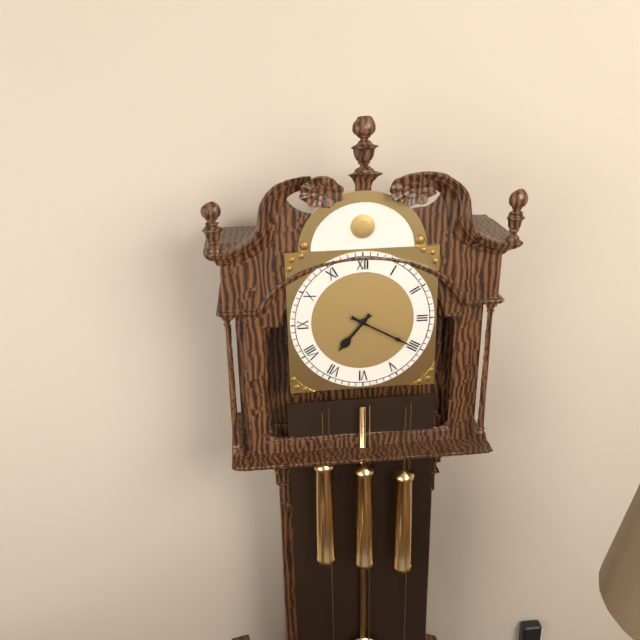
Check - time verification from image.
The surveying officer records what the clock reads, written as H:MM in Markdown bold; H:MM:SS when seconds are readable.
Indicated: **7:20**
